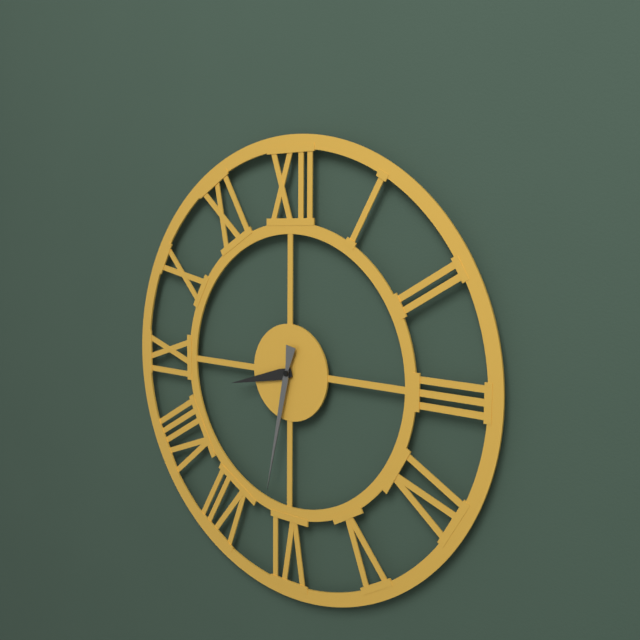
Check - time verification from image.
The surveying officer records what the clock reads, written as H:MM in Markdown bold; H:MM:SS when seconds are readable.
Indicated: **8:32**
